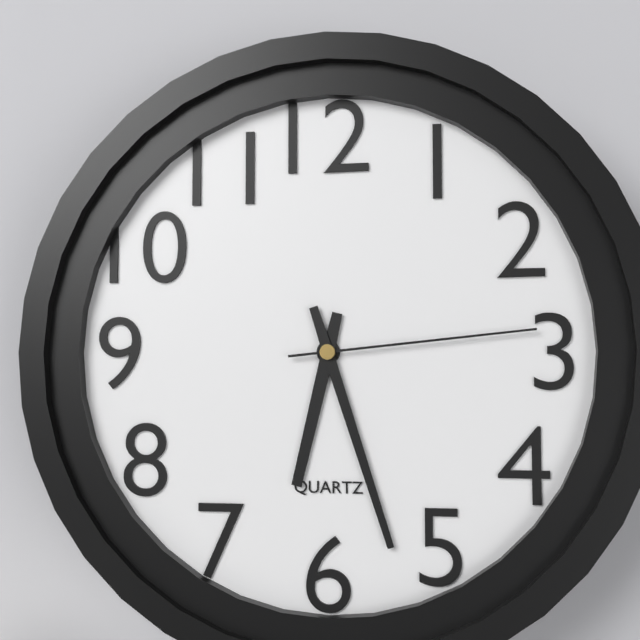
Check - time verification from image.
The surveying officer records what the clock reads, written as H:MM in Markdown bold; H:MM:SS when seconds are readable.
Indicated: **6:27:14**
